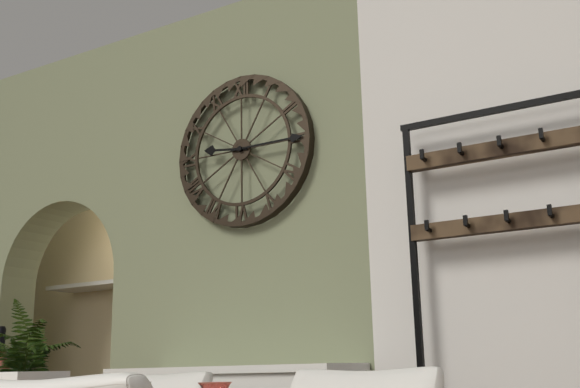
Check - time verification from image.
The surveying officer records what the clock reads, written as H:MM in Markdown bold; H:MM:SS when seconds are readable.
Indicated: **9:15**
